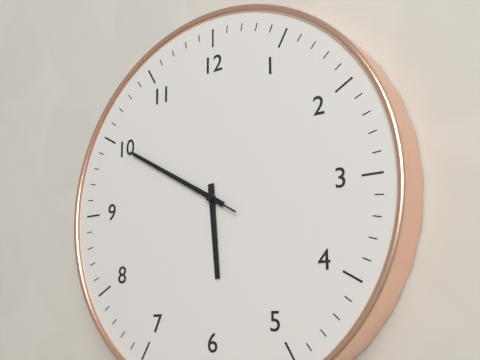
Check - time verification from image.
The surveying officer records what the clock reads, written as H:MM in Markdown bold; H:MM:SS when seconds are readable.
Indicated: **5:50:50**
